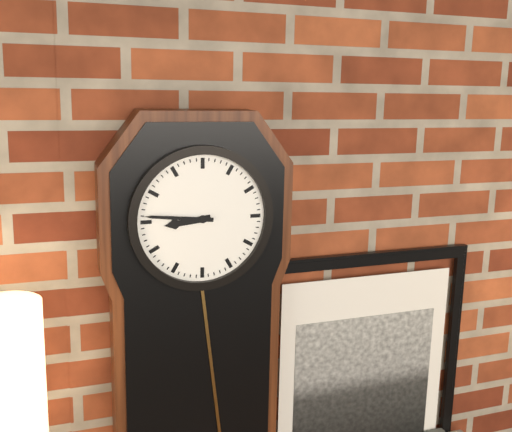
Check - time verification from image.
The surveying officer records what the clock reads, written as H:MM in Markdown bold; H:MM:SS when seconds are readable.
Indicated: **8:46**
